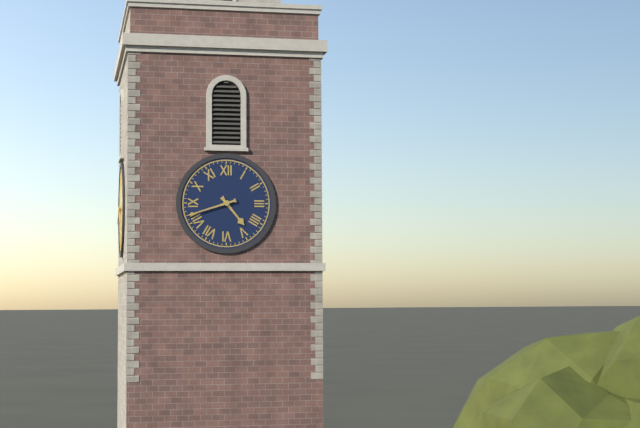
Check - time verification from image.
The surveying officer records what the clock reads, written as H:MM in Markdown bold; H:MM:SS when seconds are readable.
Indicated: **4:42**
